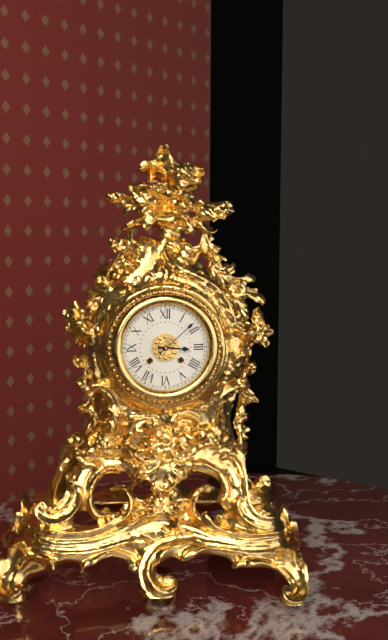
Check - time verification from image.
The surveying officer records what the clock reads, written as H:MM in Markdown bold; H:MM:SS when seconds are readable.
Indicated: **3:08**
